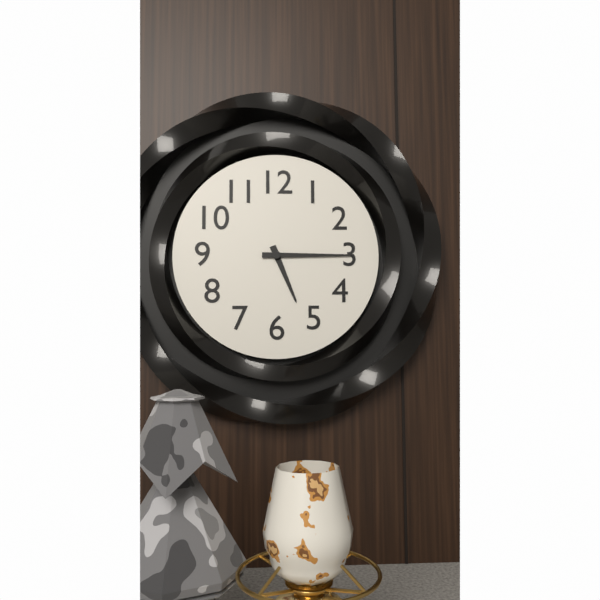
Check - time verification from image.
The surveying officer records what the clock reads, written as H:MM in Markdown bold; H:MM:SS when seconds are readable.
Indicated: **5:15**
